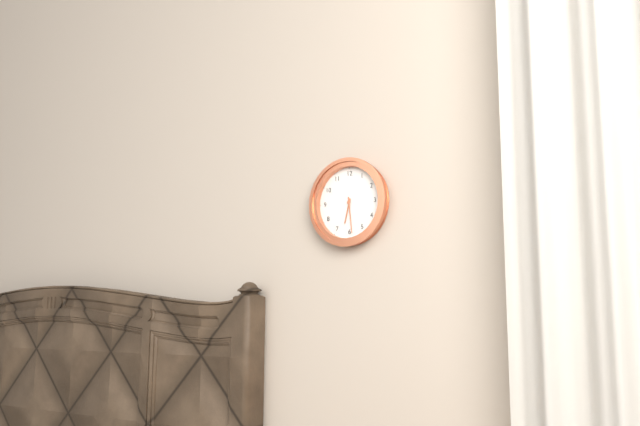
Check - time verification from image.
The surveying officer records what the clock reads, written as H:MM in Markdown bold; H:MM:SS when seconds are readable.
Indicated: **6:29**
